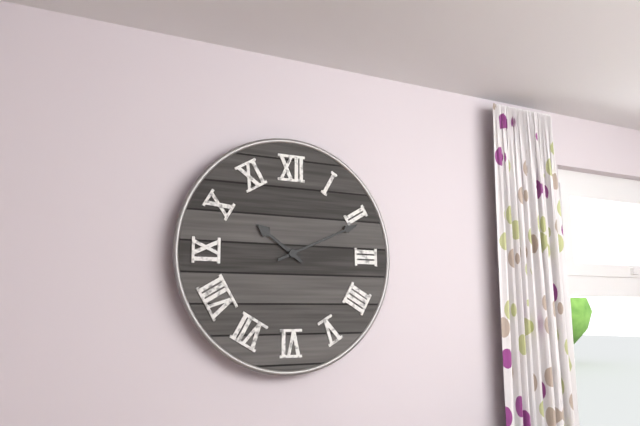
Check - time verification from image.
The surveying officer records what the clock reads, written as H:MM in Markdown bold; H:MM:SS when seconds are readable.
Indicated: **10:11**
